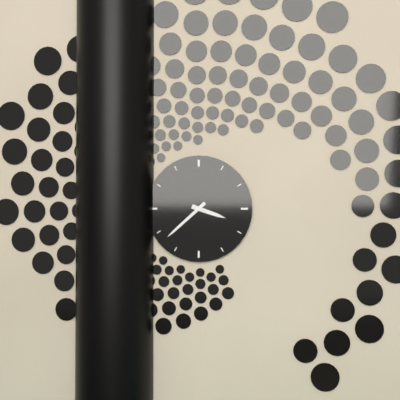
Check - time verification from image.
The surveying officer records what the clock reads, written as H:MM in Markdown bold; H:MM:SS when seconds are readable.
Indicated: **3:38**
